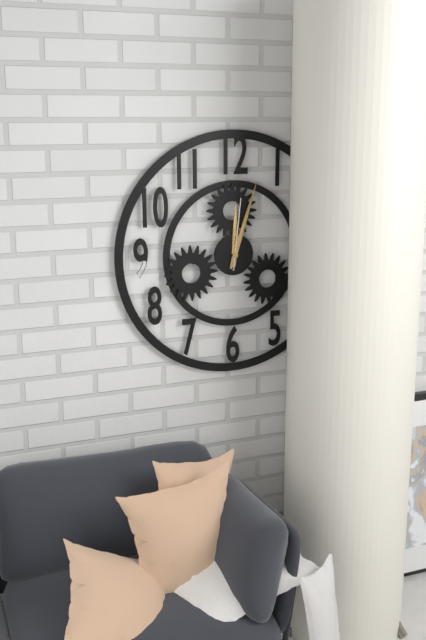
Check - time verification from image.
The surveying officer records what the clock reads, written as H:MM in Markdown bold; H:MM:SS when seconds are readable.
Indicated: **12:03:01**
